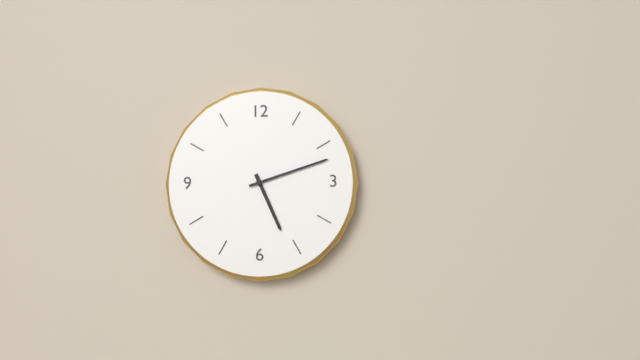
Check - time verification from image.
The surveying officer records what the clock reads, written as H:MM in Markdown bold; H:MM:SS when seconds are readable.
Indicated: **5:12**
